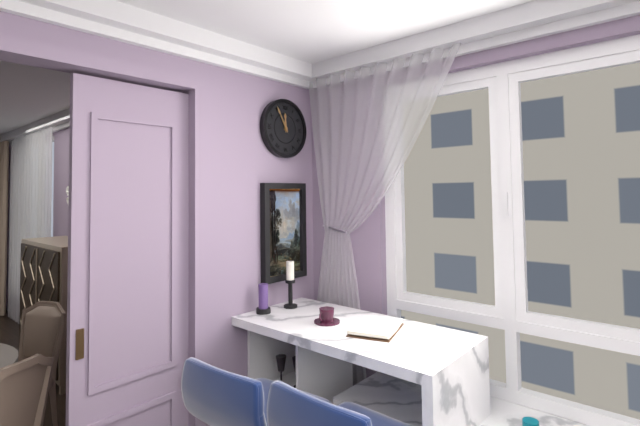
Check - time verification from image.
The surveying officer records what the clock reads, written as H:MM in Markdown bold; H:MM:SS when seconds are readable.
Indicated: **11:55**
